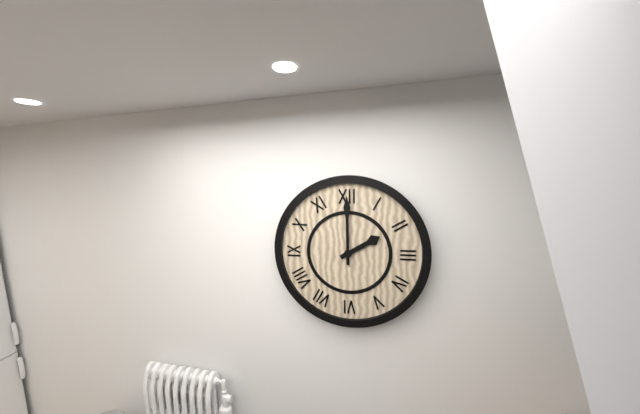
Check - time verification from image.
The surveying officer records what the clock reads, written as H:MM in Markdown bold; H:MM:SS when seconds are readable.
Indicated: **2:00**
